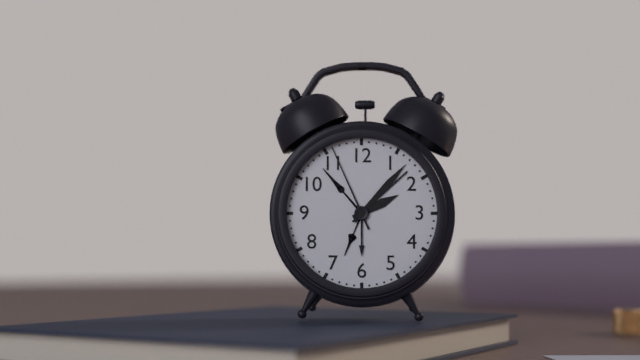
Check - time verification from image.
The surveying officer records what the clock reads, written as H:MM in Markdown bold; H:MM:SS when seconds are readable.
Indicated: **2:07:56**
